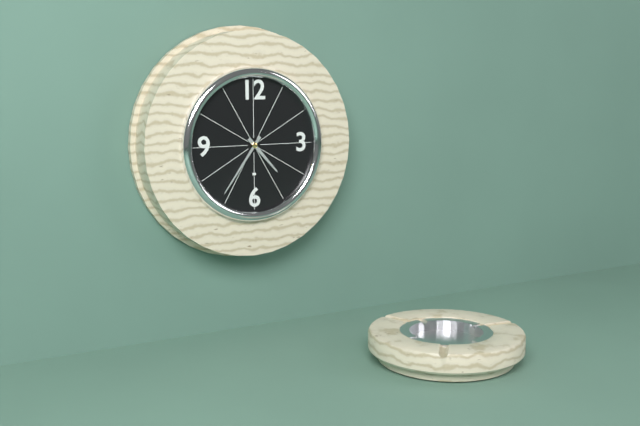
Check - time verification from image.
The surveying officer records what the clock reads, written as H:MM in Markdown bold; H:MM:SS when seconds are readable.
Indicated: **4:36**
